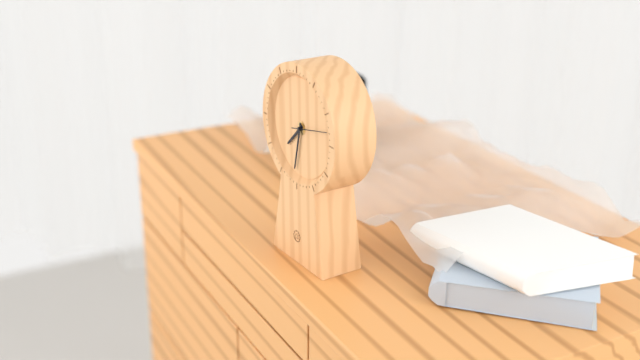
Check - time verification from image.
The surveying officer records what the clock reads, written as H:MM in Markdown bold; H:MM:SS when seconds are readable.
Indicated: **7:32**
